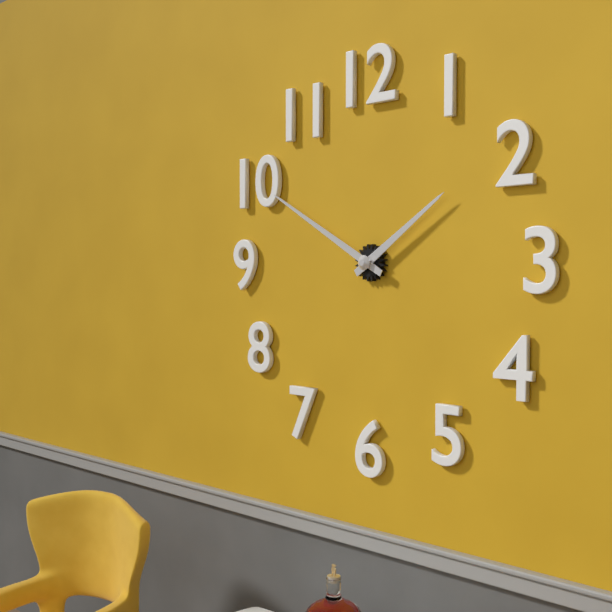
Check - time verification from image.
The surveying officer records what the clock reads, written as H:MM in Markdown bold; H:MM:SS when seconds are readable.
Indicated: **1:50**
